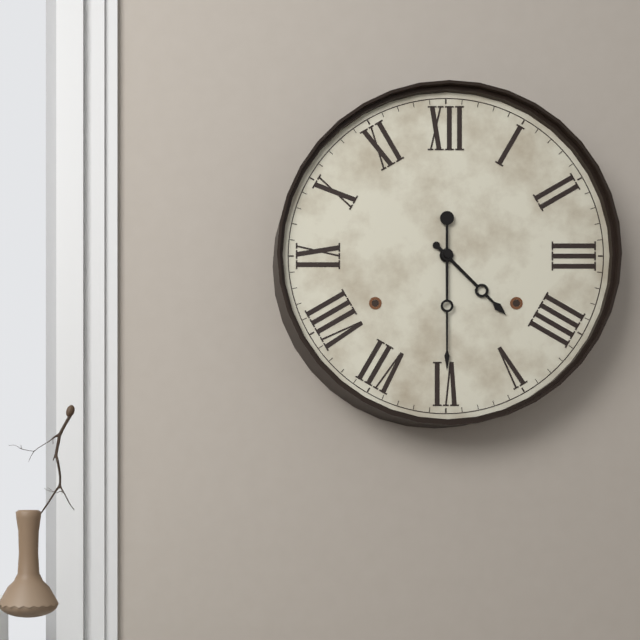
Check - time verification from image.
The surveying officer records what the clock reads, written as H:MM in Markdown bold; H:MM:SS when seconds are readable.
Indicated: **4:30**
